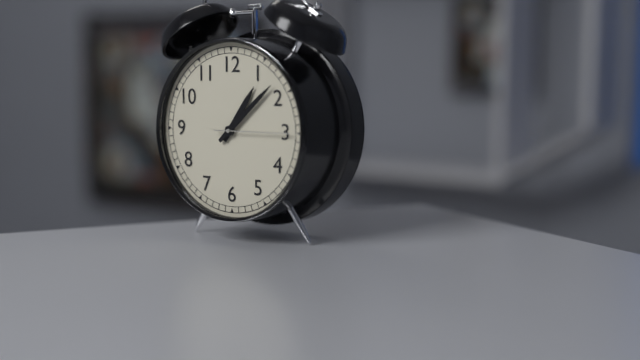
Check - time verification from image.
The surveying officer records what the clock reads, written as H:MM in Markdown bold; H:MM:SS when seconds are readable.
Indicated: **1:08:15**
